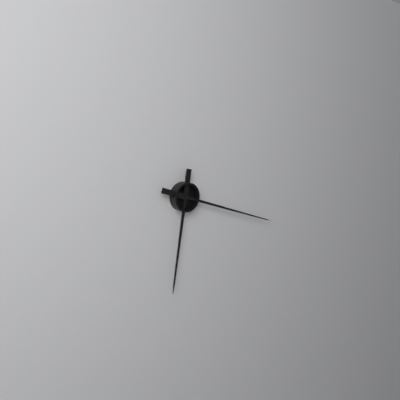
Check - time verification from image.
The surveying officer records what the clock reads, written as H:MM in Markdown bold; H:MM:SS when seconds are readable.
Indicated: **6:18**
